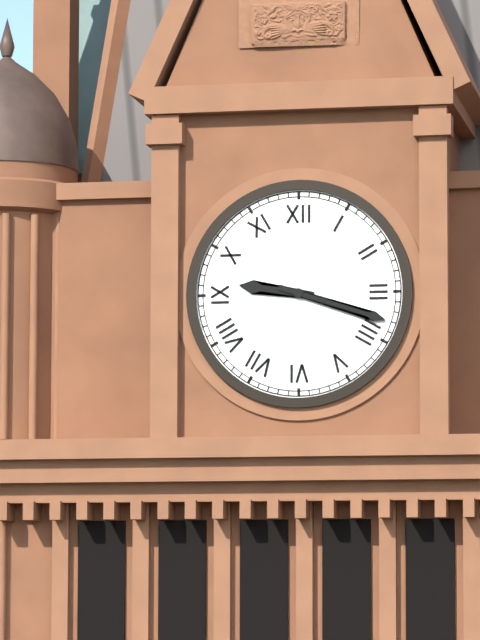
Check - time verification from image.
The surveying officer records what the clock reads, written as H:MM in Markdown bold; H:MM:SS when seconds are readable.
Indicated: **9:18**
